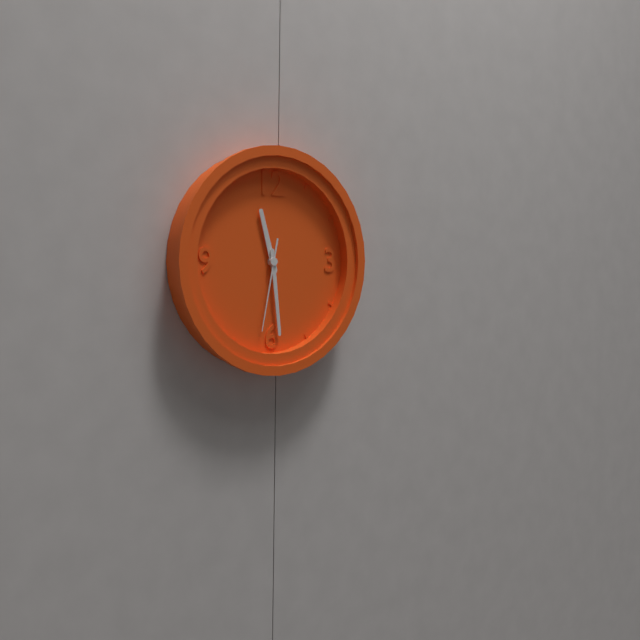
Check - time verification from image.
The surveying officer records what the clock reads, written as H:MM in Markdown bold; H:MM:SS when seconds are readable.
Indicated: **11:29:32**
